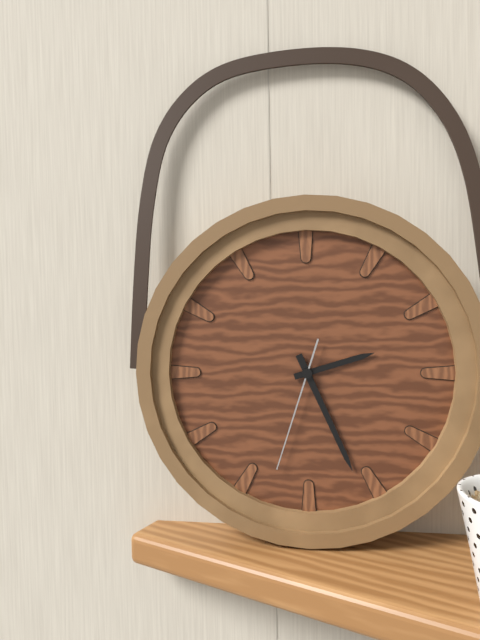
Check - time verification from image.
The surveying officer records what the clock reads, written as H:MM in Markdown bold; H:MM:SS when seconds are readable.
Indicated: **2:26:33**
